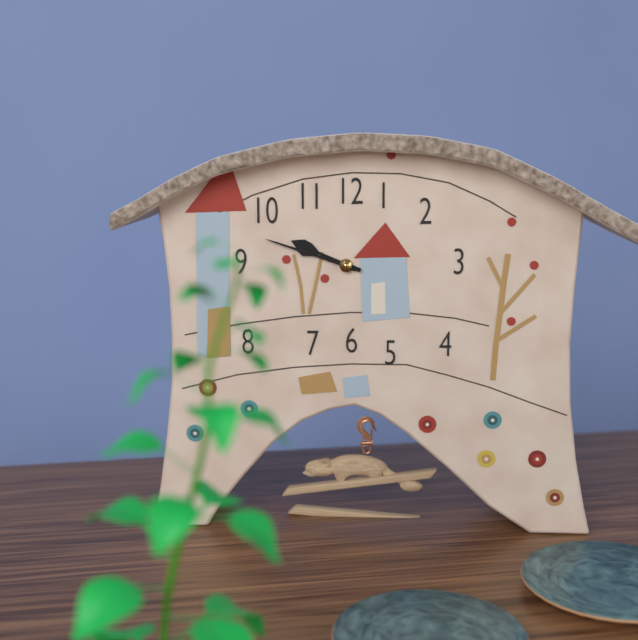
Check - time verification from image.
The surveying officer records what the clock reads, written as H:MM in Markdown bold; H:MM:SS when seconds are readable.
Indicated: **9:48**
